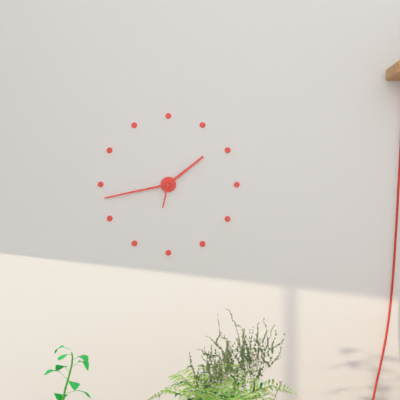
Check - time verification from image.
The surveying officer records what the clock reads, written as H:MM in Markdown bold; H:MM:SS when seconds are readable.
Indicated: **1:43**
